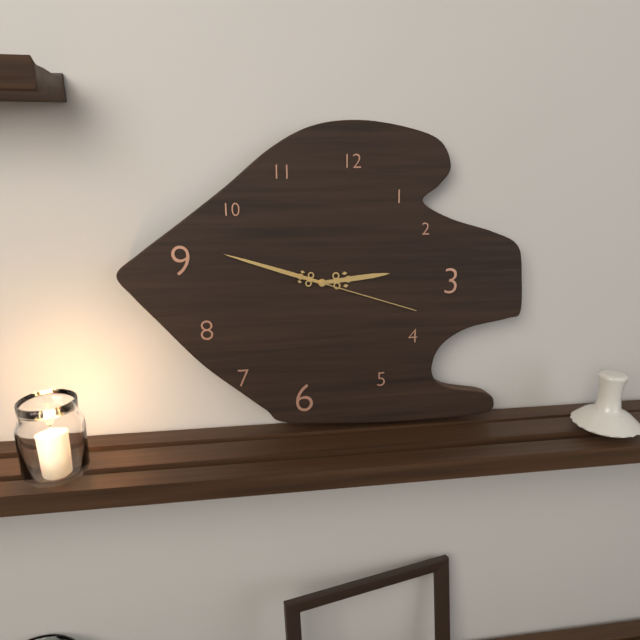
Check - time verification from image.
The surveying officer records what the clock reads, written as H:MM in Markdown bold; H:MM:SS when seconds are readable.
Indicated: **2:48:18**
